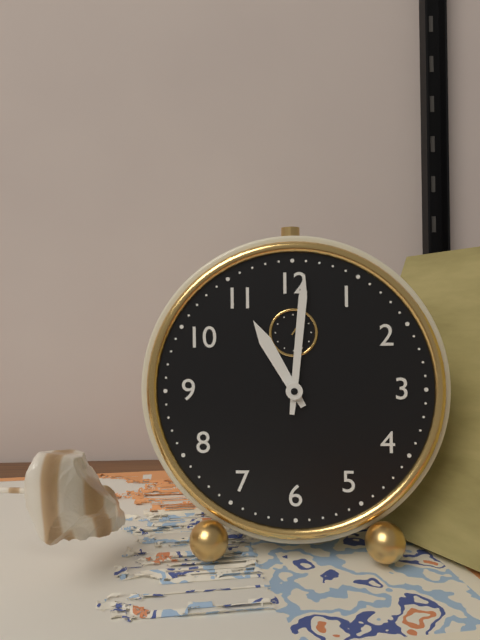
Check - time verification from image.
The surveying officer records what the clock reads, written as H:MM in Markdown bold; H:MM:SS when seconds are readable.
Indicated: **11:01**
